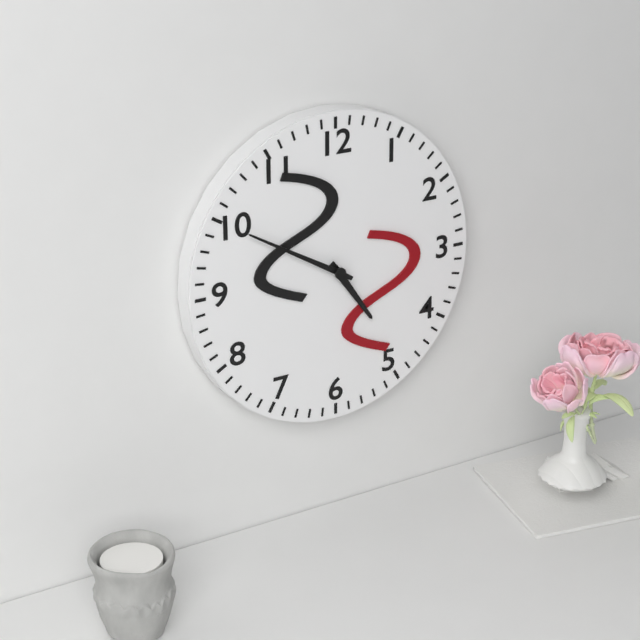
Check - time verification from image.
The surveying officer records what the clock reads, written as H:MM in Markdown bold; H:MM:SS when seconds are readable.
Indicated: **4:50**
